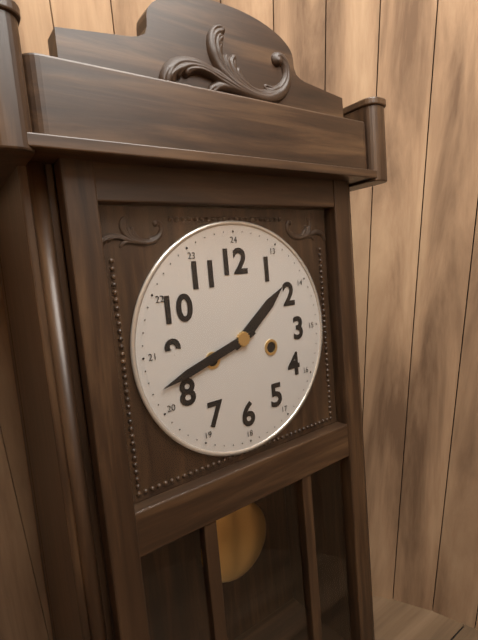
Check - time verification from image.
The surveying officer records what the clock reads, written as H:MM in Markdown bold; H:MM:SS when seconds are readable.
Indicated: **1:42**
